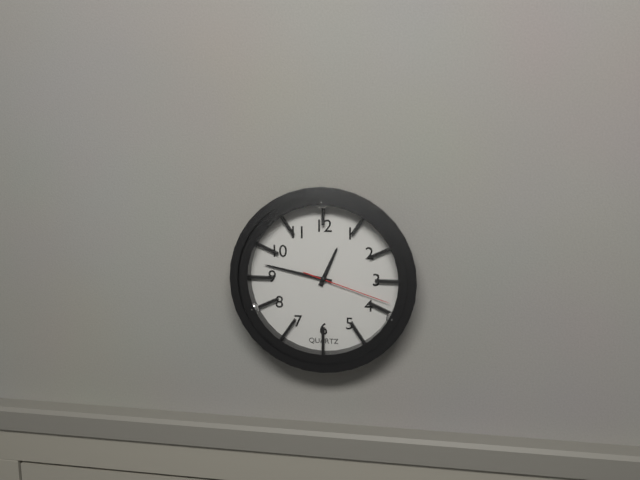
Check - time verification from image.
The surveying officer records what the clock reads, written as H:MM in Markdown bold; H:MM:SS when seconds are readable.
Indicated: **12:47:18**
